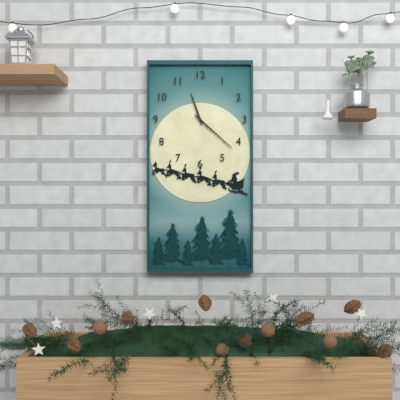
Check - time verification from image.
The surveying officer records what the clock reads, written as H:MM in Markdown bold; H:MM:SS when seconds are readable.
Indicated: **11:22**
